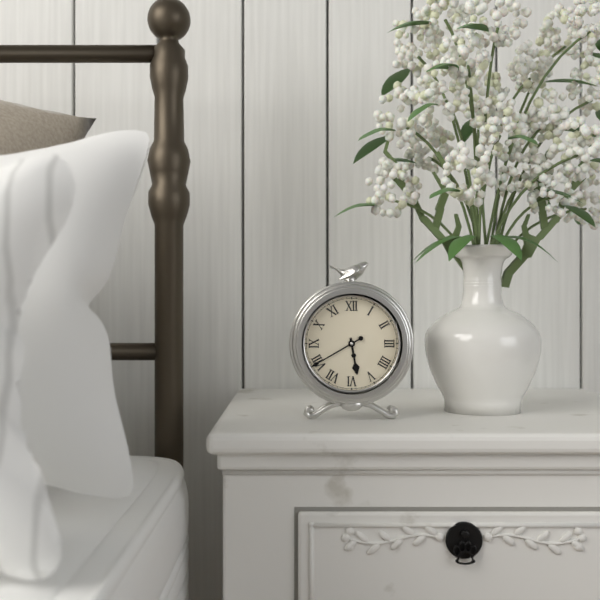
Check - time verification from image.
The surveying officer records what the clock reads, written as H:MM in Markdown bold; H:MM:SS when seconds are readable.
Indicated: **5:40**
